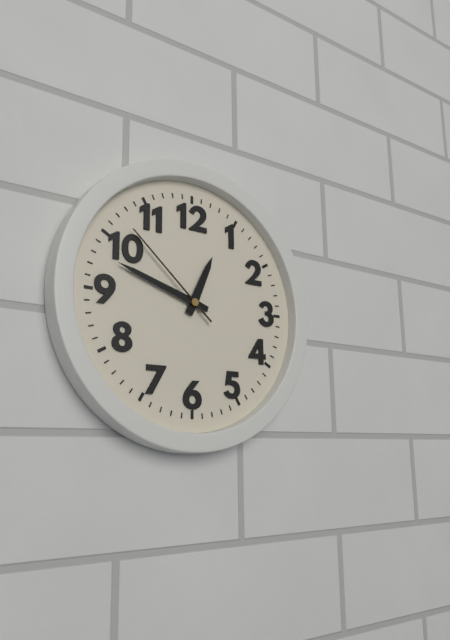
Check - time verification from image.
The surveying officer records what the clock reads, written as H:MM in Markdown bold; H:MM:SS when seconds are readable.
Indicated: **12:48:52**
